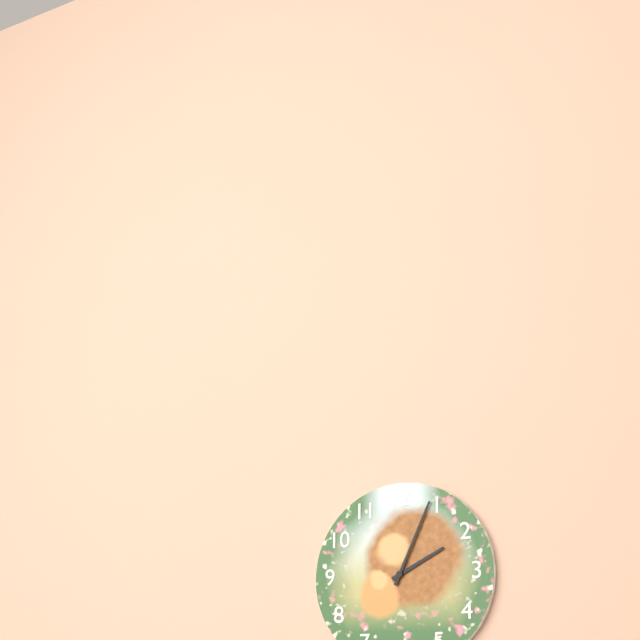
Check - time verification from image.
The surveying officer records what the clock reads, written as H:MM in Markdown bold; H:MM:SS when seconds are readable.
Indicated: **2:04**
